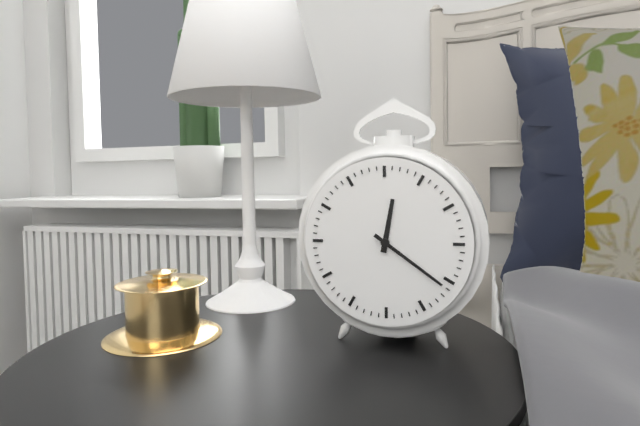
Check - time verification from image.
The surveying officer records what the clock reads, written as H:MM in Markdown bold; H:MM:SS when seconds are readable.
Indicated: **12:21**
